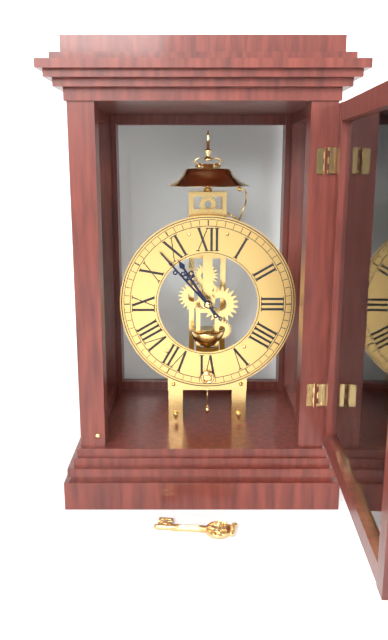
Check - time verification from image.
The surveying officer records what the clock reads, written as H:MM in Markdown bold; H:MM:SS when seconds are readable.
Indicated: **10:53**
